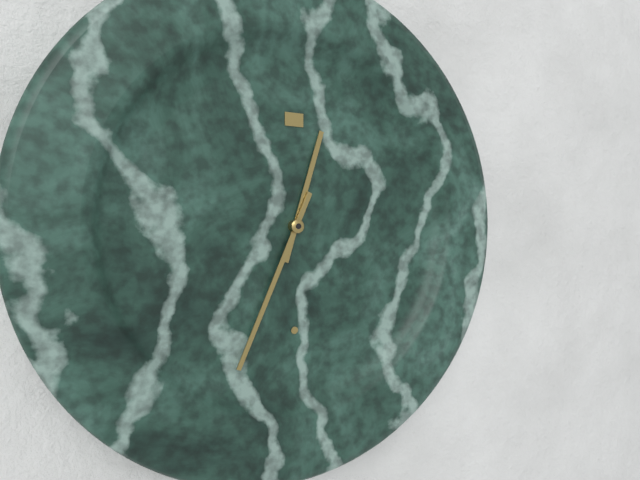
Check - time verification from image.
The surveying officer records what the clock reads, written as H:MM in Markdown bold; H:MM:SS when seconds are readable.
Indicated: **12:34**
